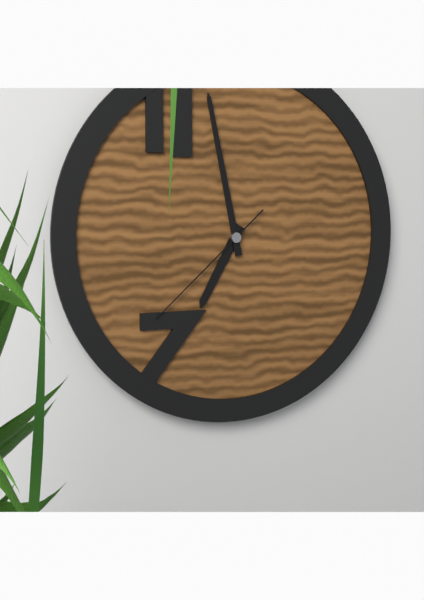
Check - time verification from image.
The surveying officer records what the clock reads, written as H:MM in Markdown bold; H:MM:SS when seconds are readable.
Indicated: **6:58:38**
